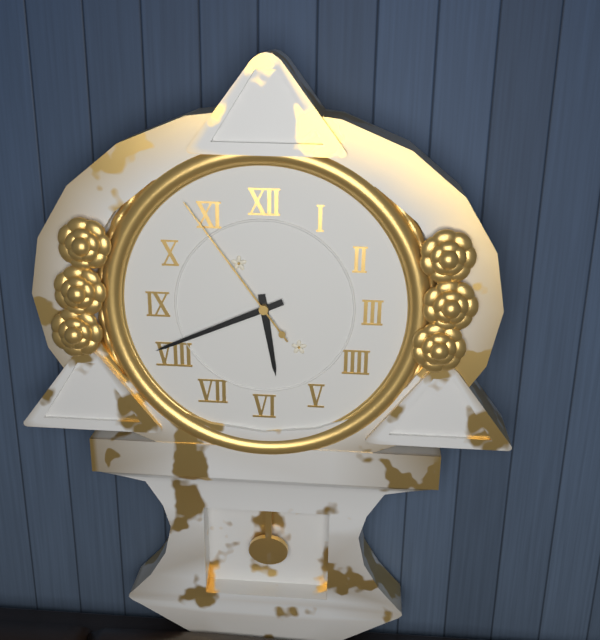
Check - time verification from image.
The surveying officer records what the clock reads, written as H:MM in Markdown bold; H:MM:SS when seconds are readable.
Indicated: **5:41:54**
